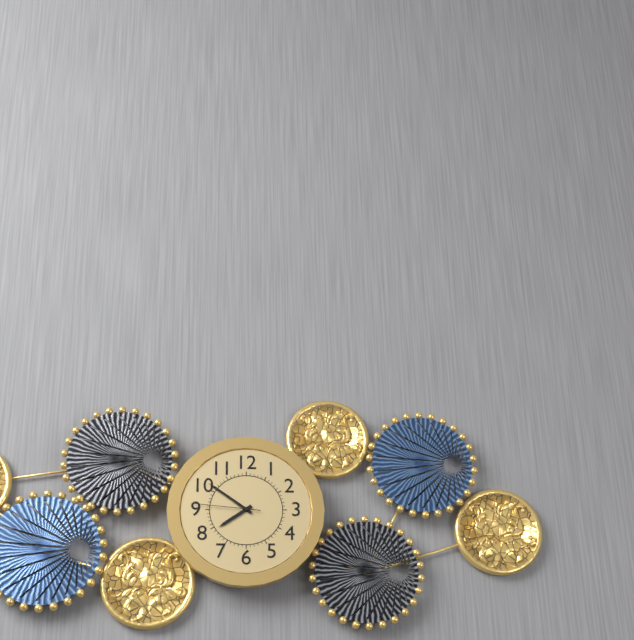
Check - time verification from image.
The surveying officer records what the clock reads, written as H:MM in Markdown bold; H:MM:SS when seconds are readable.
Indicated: **7:51:46**
